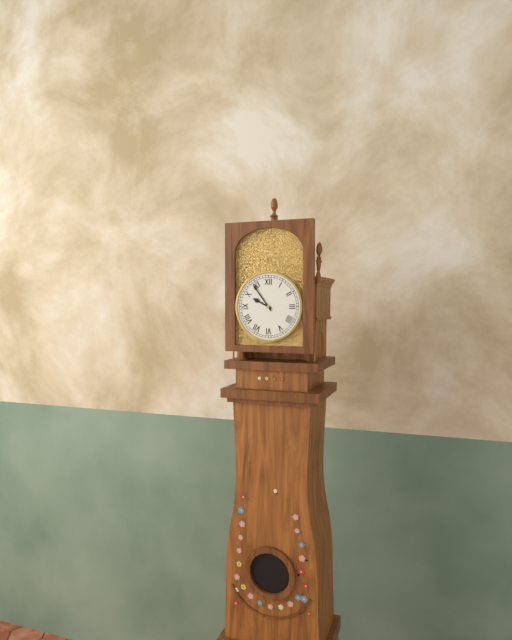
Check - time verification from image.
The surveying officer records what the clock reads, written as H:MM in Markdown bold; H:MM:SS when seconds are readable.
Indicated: **9:54**
